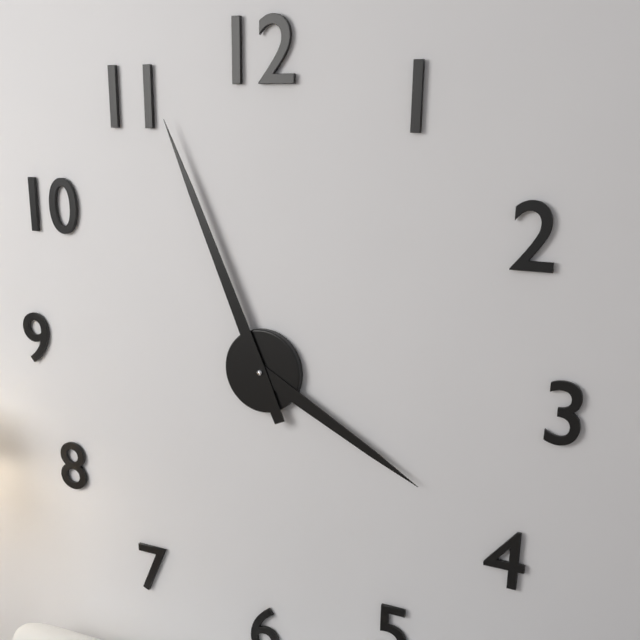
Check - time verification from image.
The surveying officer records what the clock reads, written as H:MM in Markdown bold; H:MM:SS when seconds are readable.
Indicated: **3:56**
